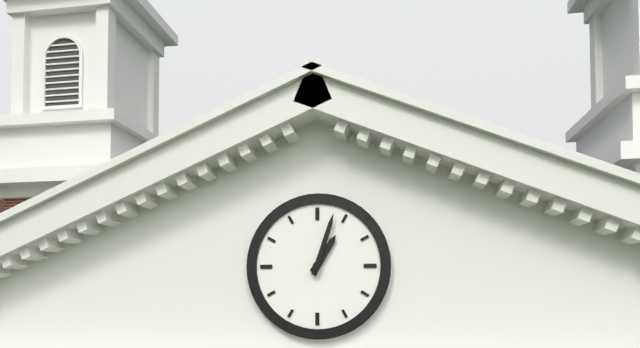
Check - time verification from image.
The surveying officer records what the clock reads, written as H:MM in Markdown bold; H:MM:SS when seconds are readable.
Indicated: **1:03**
